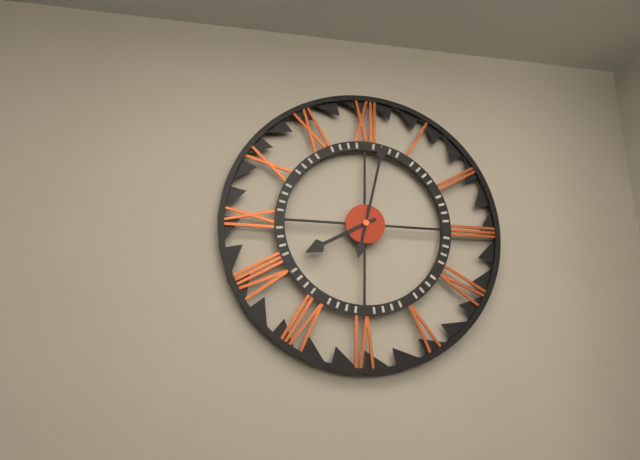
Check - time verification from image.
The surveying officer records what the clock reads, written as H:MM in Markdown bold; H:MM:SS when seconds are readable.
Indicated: **8:02**
